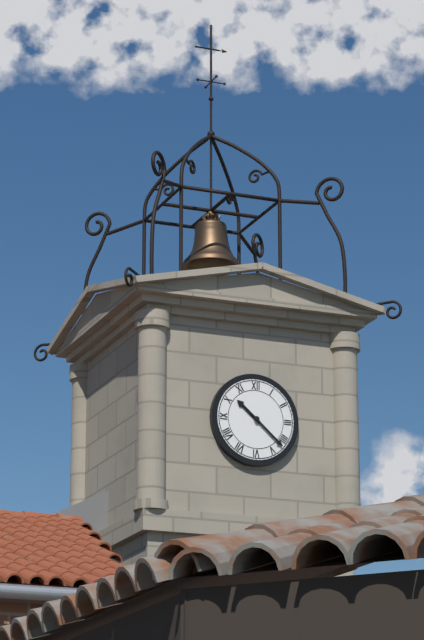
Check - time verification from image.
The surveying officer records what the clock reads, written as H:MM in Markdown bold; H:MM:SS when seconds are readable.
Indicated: **10:22**
